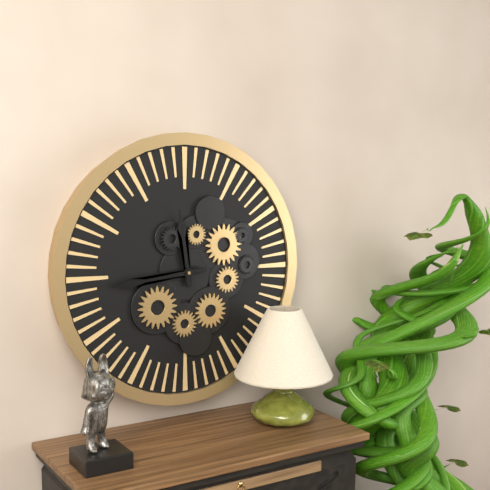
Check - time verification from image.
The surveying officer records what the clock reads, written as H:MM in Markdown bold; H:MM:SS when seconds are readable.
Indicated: **11:44**
